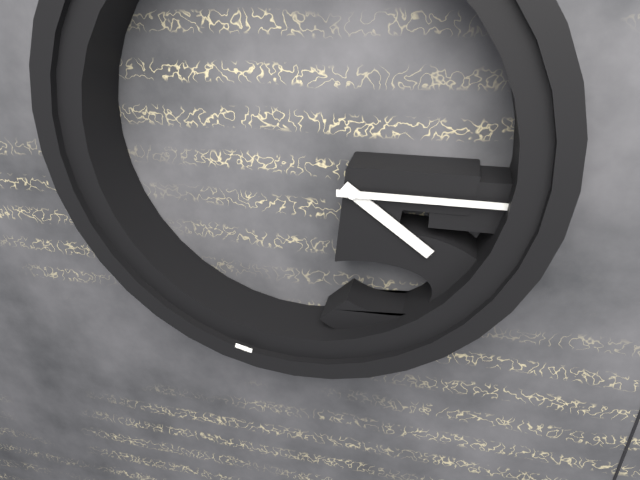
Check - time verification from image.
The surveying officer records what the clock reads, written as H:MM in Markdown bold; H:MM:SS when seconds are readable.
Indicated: **4:15**
